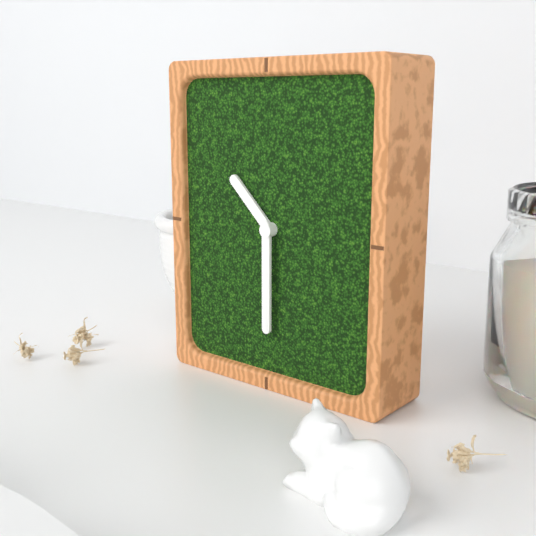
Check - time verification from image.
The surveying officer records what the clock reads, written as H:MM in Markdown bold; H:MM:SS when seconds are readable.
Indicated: **10:30**
